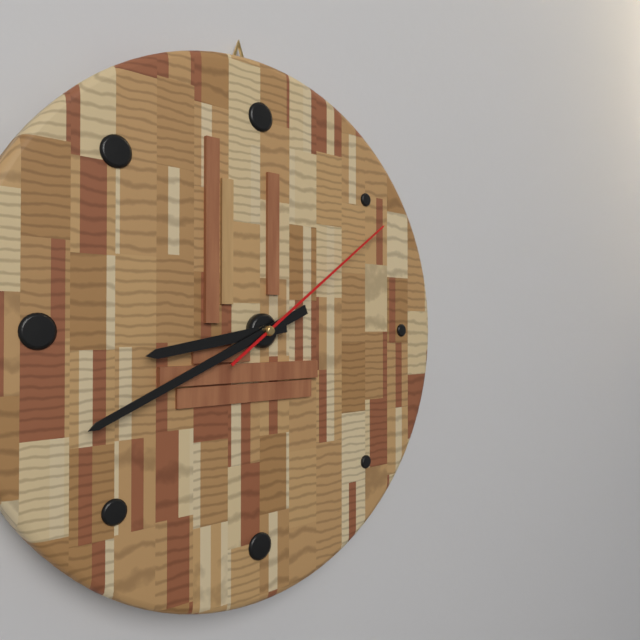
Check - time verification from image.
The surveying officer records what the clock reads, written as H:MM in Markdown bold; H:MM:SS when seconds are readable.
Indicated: **8:41:09**
